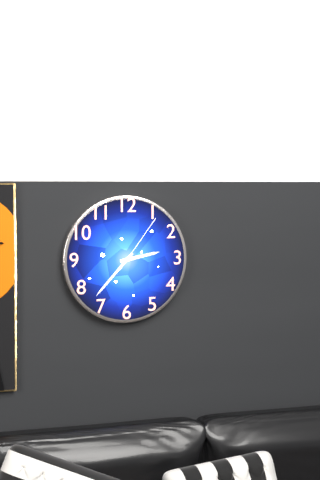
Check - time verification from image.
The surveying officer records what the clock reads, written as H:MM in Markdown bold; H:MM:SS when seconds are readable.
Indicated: **2:37:06**
